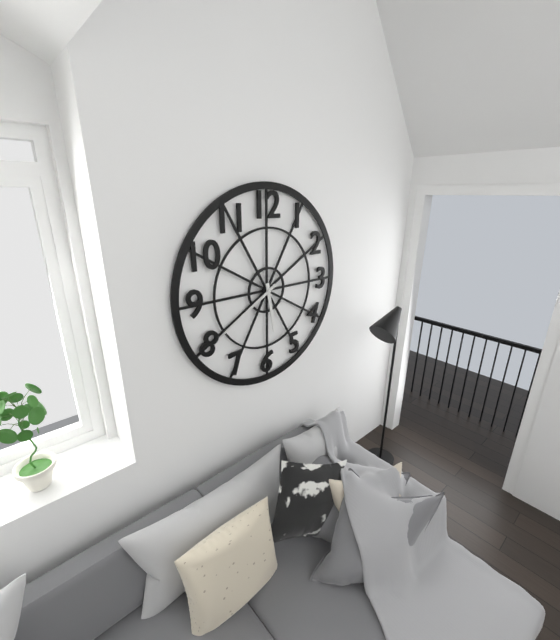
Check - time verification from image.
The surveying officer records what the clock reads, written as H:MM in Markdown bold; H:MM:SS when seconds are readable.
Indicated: **5:40**
